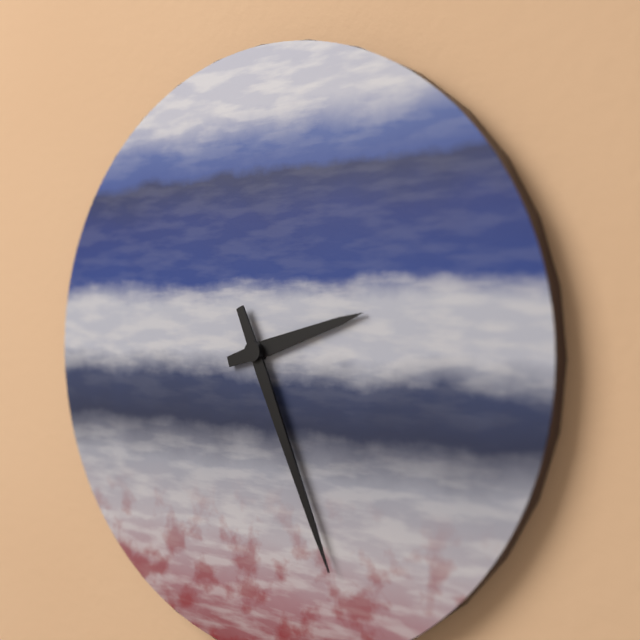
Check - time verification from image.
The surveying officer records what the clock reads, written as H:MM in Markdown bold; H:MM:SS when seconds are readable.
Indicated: **2:26**
